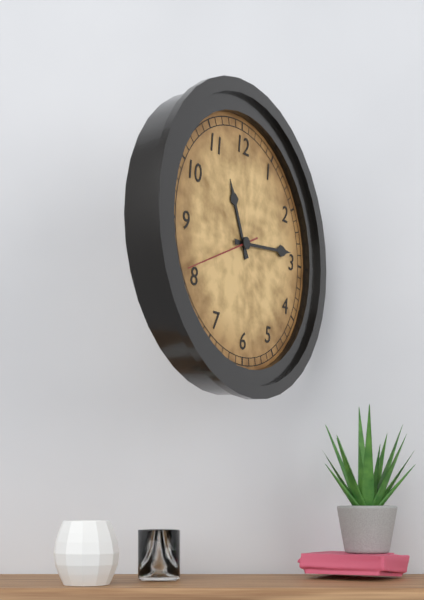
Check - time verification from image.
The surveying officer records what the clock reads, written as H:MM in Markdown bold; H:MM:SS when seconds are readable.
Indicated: **11:14:41**
